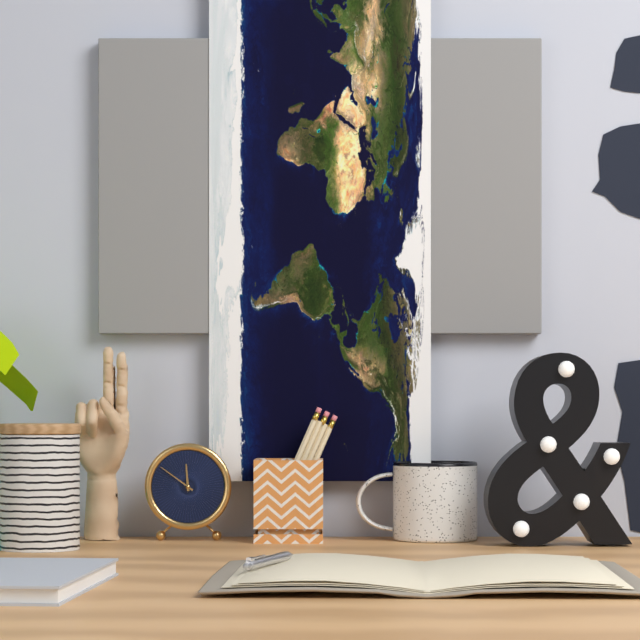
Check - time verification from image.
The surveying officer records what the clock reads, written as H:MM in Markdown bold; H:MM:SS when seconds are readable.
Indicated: **11:51**
